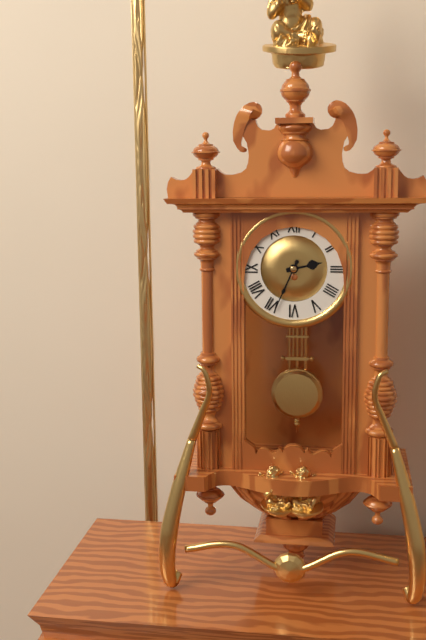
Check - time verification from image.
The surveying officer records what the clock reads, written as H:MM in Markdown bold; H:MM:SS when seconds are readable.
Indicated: **2:34**
